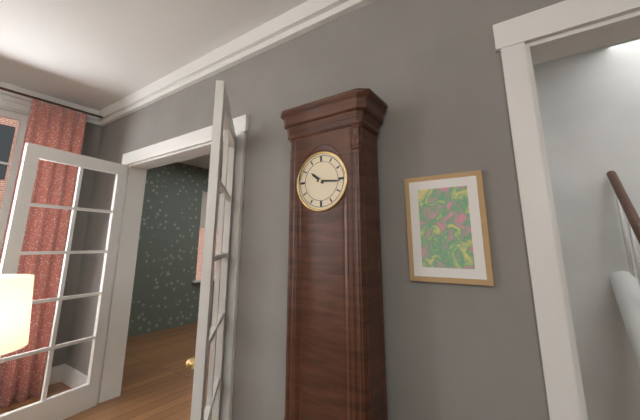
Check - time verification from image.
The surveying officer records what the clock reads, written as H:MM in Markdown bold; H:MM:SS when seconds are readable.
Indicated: **10:16**
